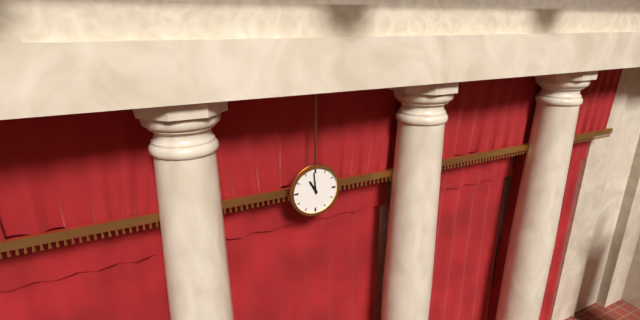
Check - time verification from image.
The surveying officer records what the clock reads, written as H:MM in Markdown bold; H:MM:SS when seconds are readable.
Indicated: **10:59**
